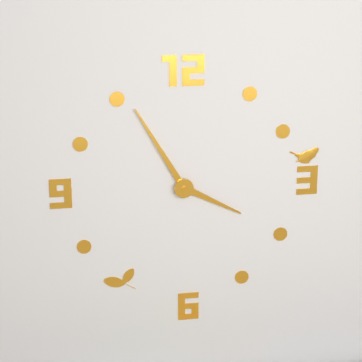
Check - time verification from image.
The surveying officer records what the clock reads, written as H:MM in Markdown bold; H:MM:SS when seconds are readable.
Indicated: **3:55**
